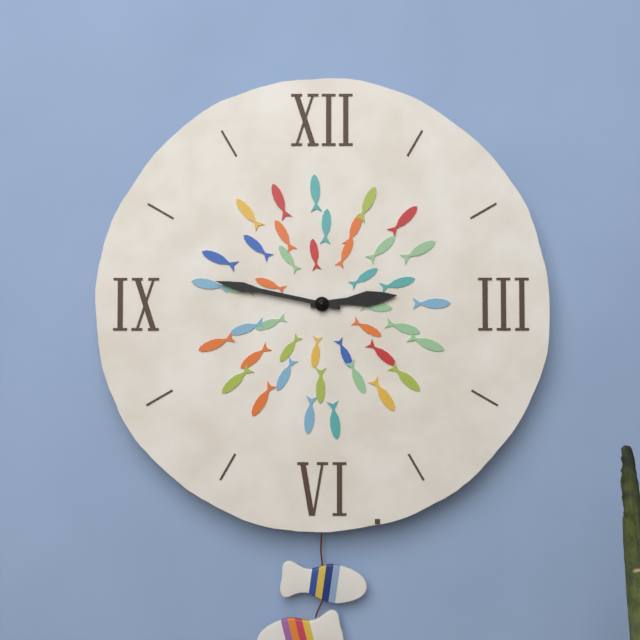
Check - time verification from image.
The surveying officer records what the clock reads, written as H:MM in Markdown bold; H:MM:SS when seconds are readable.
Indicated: **2:47**
